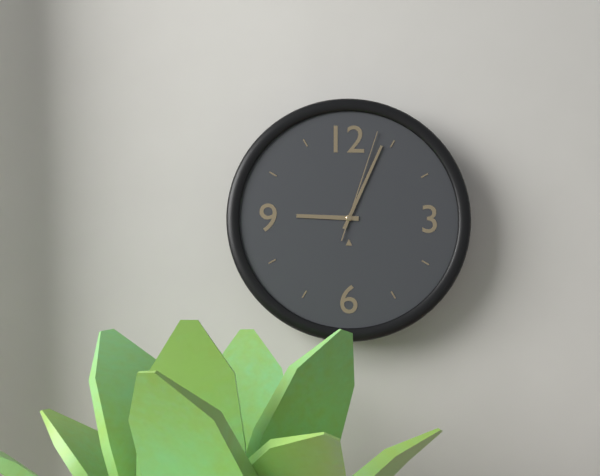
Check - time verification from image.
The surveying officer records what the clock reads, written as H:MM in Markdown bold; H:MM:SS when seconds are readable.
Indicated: **9:04:03**
